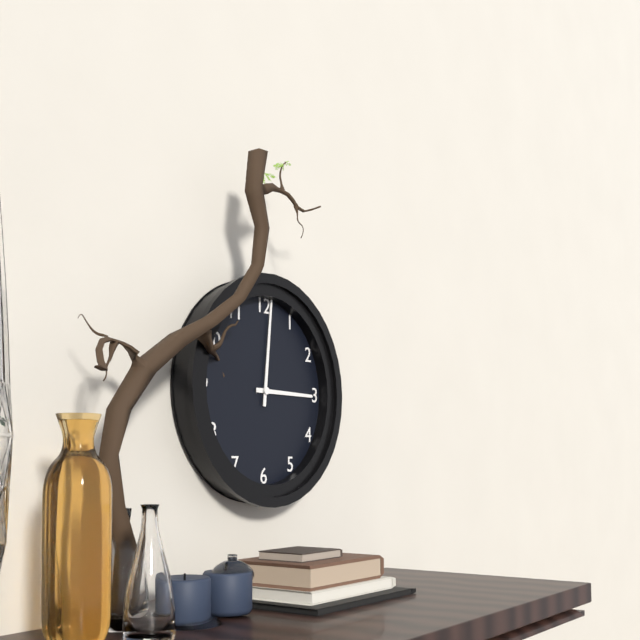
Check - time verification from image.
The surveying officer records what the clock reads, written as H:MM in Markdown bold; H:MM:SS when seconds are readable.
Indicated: **3:01**
